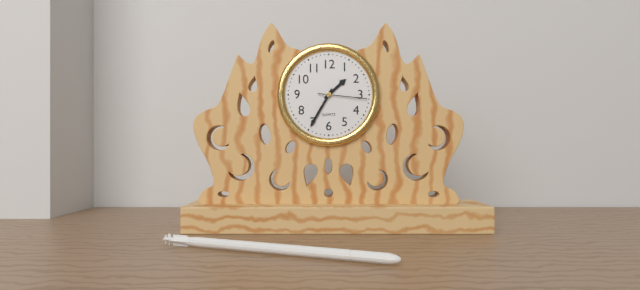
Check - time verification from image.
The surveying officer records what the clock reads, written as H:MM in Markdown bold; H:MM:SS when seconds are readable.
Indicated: **1:35**
